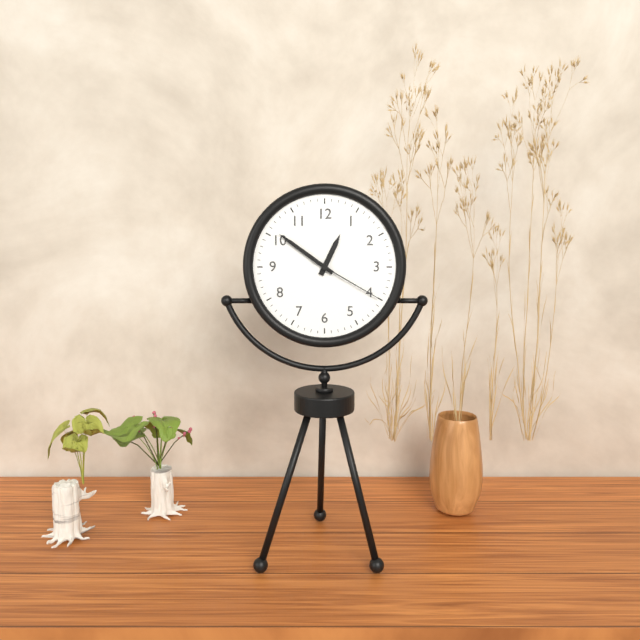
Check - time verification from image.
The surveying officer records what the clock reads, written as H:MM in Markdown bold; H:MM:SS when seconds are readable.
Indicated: **12:51:20**
